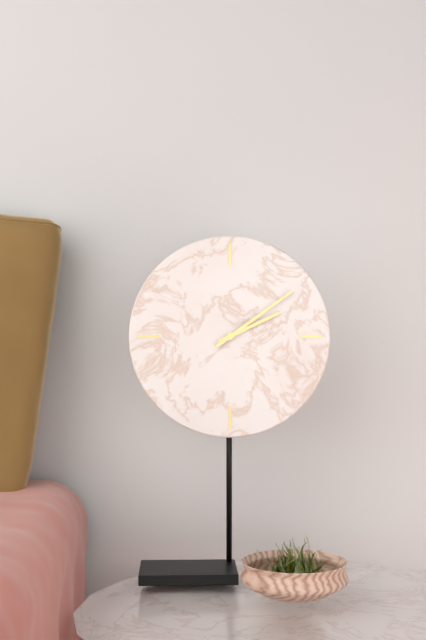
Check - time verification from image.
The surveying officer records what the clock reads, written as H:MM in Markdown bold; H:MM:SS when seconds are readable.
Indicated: **2:09**
